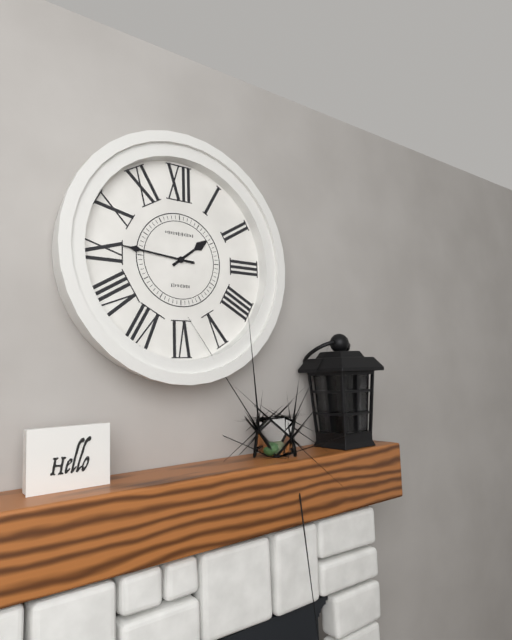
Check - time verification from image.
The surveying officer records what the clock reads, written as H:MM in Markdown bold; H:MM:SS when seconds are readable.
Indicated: **1:46**
